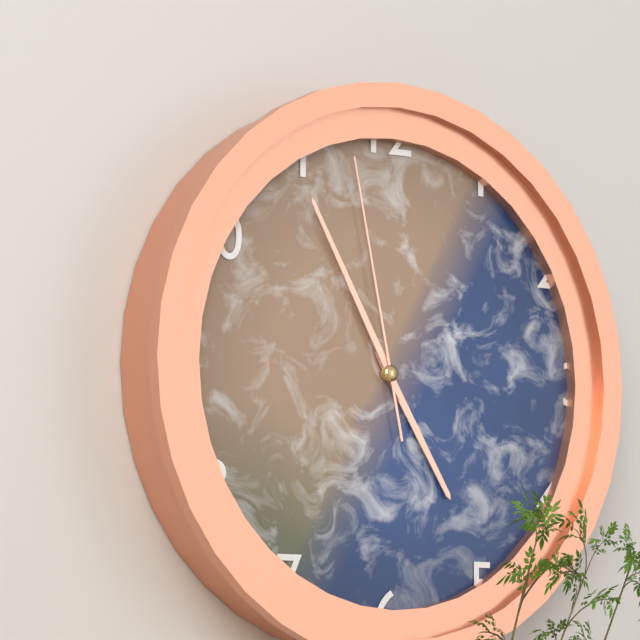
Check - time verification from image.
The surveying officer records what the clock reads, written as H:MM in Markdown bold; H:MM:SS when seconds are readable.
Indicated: **4:55:58**
